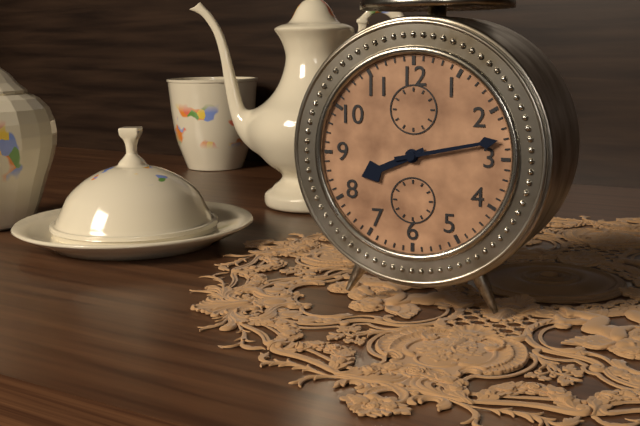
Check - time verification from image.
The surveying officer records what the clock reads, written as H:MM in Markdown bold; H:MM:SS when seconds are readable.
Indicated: **8:13**
